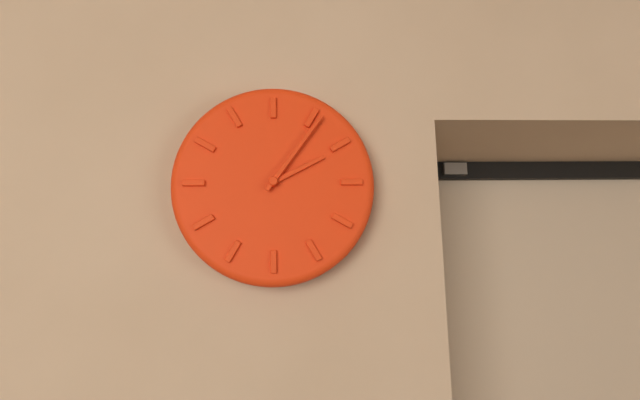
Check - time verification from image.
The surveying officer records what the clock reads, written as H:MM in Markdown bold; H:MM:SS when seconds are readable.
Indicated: **2:06**
